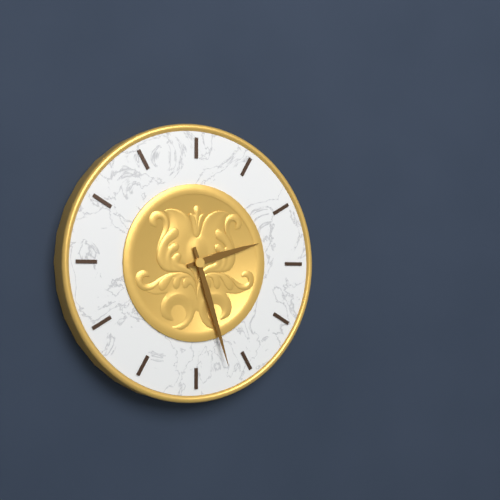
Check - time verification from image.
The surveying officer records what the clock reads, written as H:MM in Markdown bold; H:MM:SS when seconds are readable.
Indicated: **2:27**
